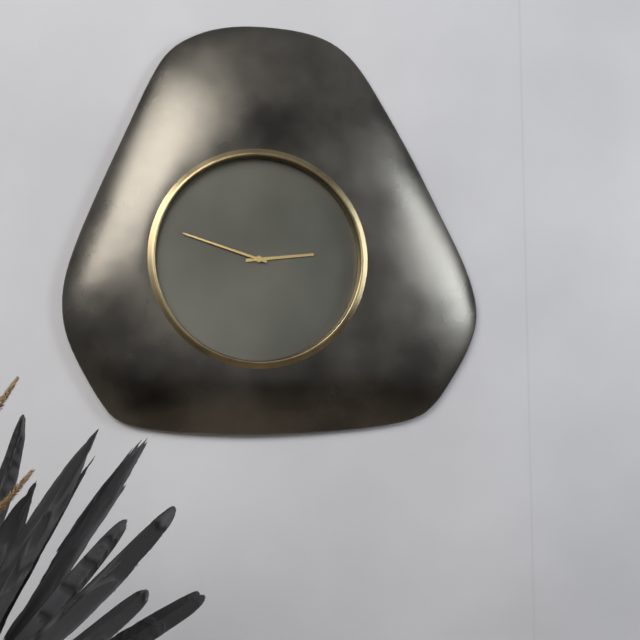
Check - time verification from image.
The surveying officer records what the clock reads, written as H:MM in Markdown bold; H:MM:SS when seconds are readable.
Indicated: **2:48**
